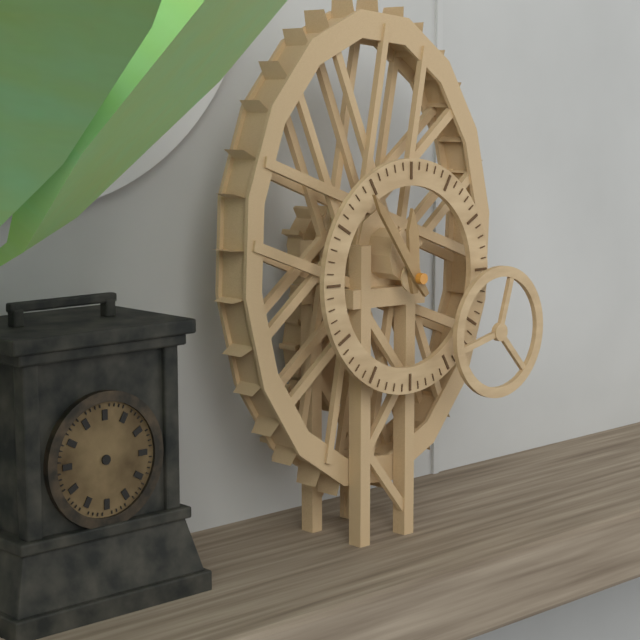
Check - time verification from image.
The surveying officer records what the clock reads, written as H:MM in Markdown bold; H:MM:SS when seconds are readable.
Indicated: **11:54**
